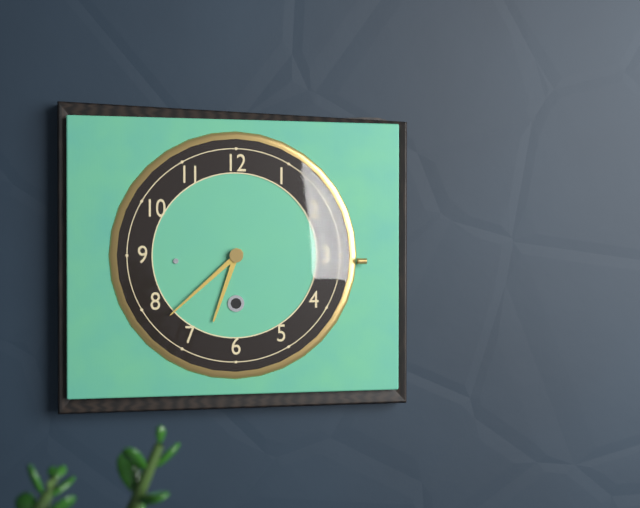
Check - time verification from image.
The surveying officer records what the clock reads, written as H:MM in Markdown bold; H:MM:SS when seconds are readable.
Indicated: **6:38**
